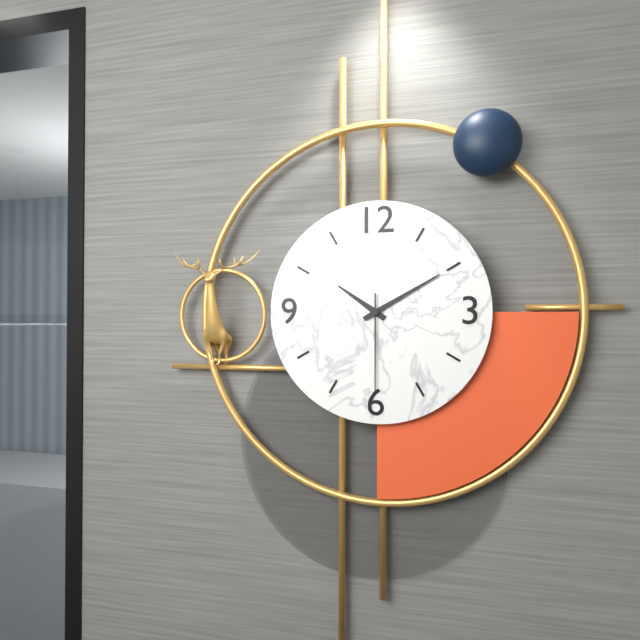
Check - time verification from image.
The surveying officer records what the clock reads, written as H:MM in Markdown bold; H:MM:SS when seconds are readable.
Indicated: **10:10:30**
